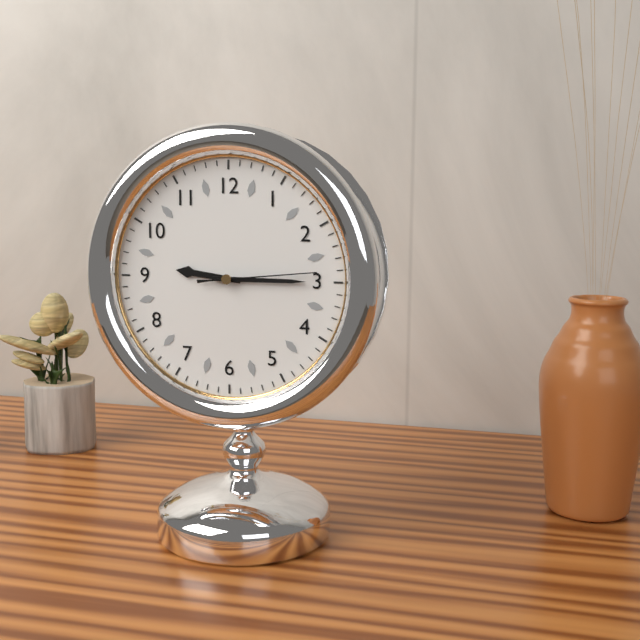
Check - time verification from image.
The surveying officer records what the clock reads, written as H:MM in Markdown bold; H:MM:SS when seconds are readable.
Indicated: **9:15:14**
